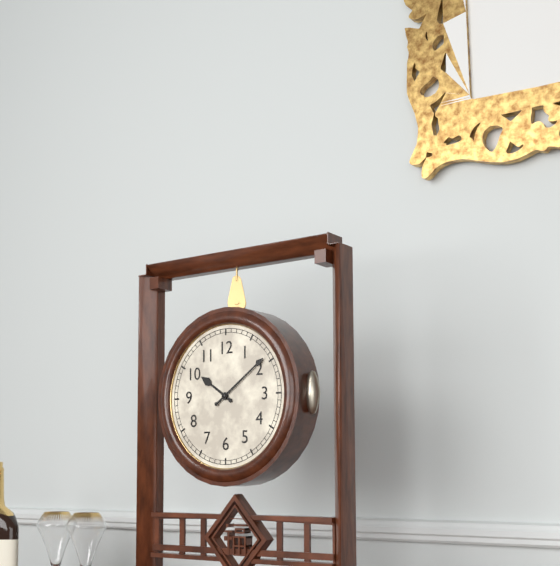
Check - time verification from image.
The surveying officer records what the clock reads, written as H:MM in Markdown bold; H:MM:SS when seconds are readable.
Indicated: **10:09**
